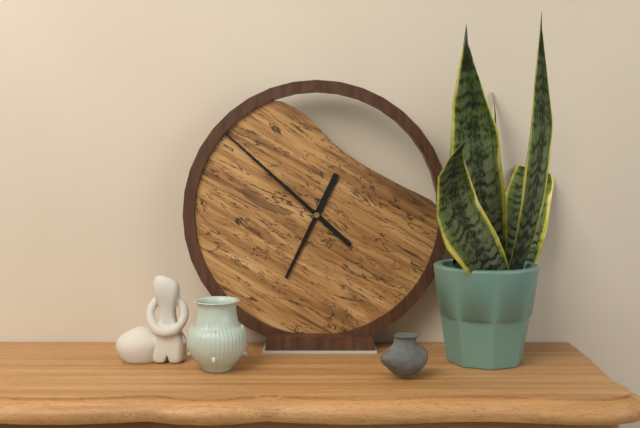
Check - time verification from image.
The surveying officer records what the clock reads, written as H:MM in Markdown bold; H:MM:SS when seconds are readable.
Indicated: **6:52**
